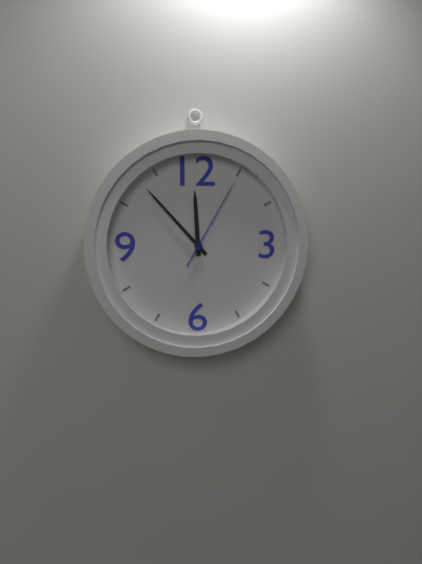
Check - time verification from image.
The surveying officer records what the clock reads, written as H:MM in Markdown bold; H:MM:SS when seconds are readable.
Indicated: **11:53:05**
